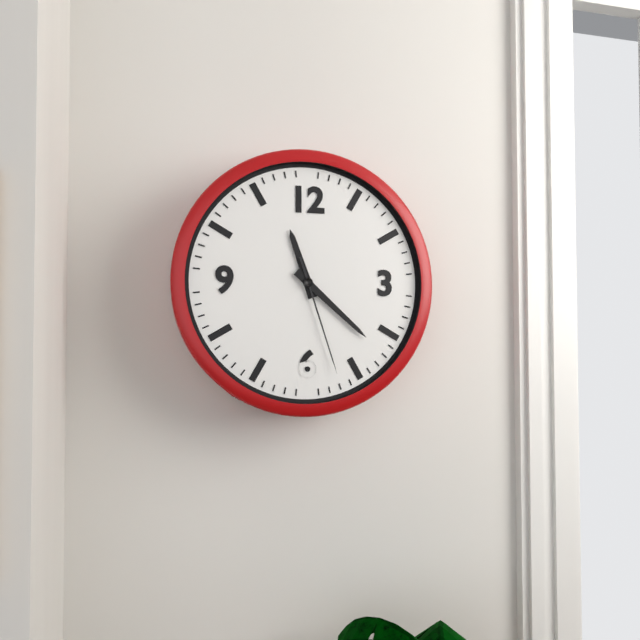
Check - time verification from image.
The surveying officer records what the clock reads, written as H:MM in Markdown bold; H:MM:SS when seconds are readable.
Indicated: **11:22:27**
